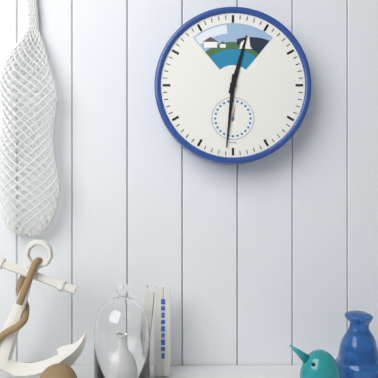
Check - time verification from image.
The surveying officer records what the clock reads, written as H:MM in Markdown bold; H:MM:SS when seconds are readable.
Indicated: **12:31**
